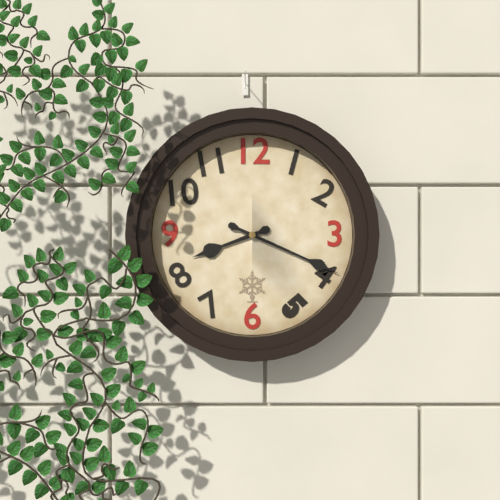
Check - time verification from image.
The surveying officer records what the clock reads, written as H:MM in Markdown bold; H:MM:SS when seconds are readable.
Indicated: **8:19**
